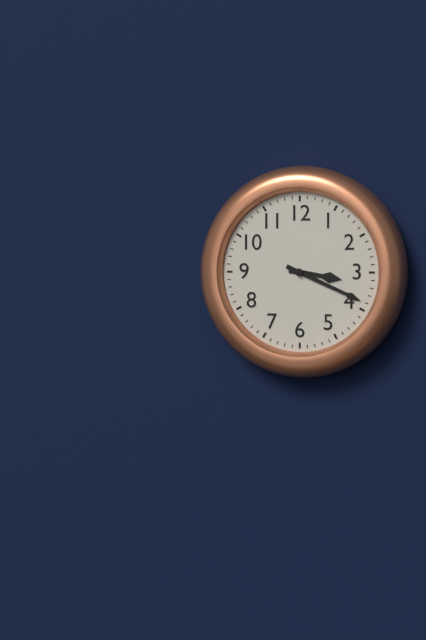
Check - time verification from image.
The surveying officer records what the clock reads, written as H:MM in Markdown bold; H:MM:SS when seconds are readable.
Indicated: **3:19**
